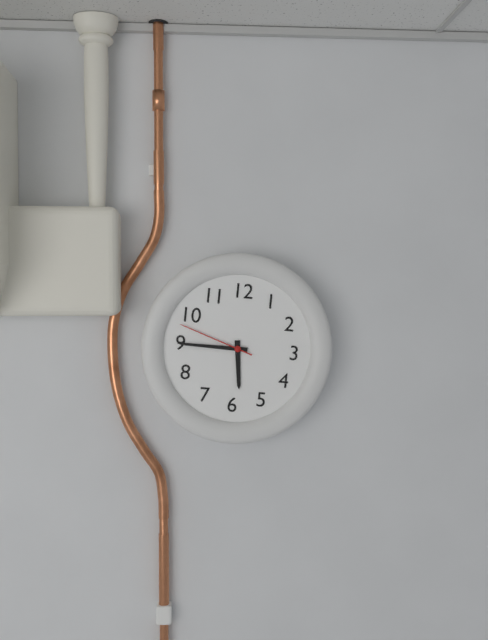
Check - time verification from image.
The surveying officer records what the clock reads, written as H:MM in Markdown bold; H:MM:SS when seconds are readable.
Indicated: **5:45:48**
